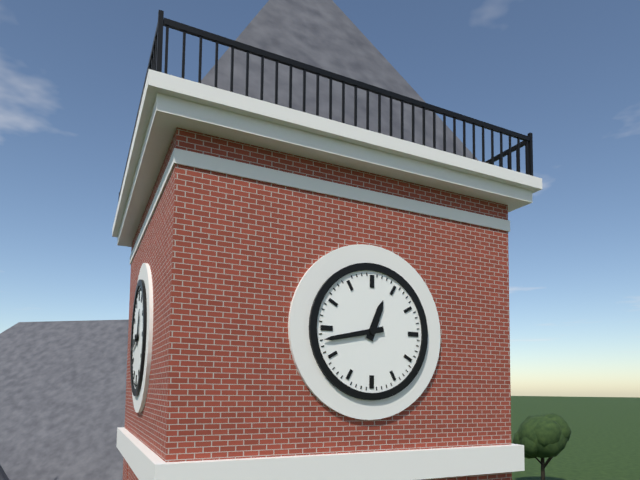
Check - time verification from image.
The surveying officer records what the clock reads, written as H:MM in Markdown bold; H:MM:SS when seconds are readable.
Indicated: **12:43**
